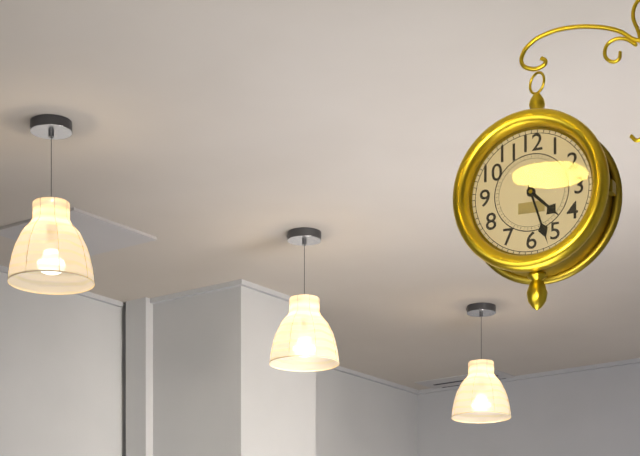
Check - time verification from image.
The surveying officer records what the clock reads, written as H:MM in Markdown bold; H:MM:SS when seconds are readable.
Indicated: **4:27**
